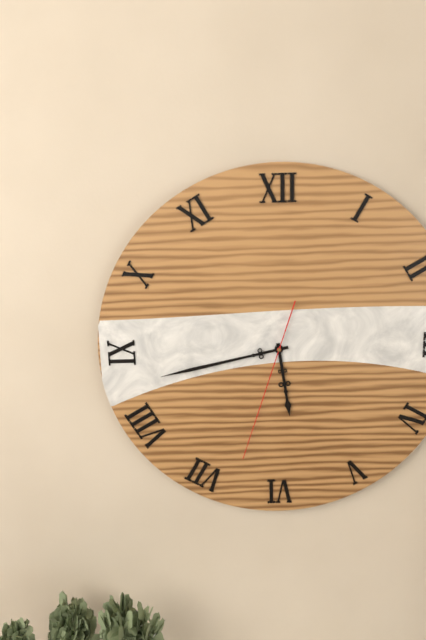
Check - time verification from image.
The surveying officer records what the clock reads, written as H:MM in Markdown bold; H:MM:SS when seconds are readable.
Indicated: **5:43:33**
